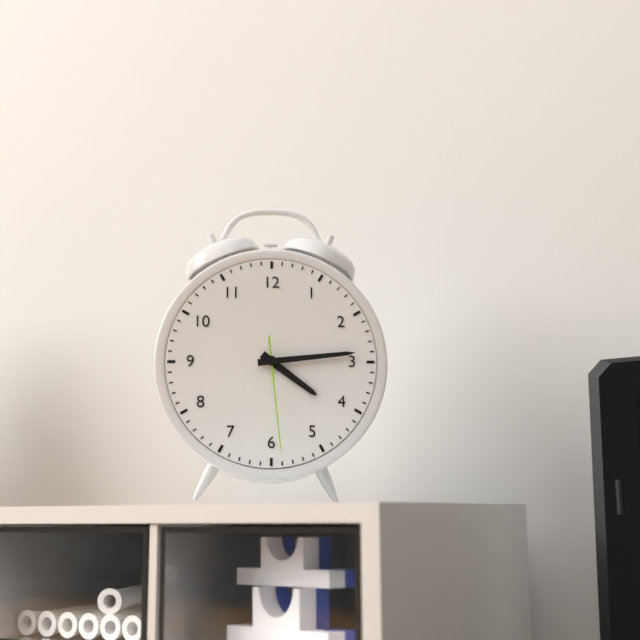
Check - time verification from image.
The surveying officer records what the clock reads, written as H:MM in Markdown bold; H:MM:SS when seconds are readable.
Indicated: **4:14:29**
